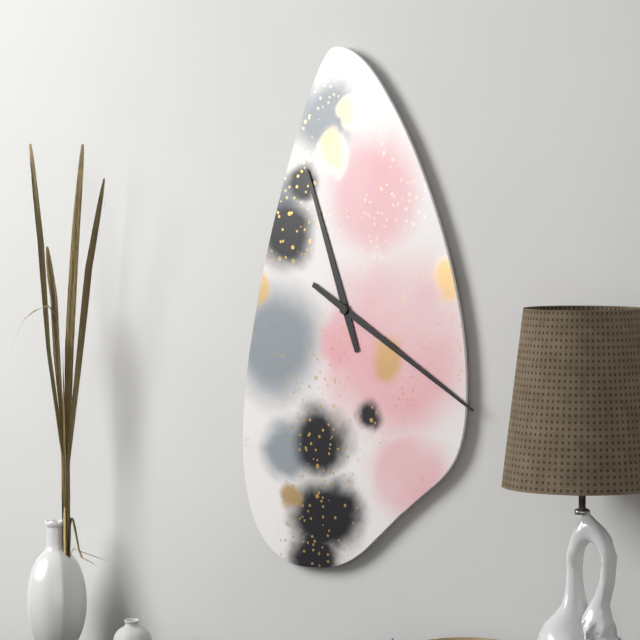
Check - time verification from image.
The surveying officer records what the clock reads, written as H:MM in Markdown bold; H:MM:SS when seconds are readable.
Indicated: **11:20**
